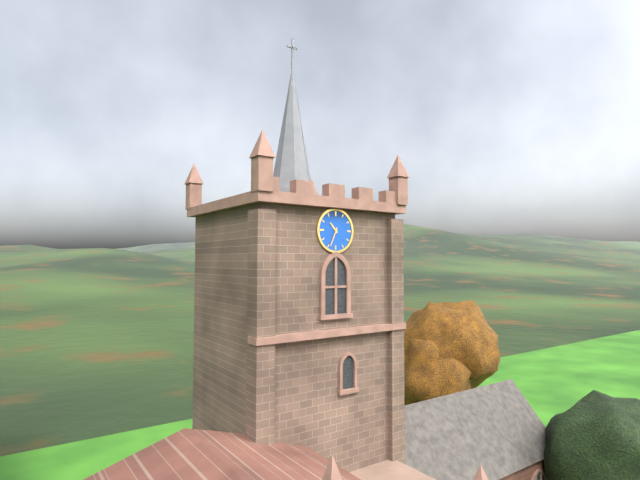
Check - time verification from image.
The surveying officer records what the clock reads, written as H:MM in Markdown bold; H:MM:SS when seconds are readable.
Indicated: **10:34**
